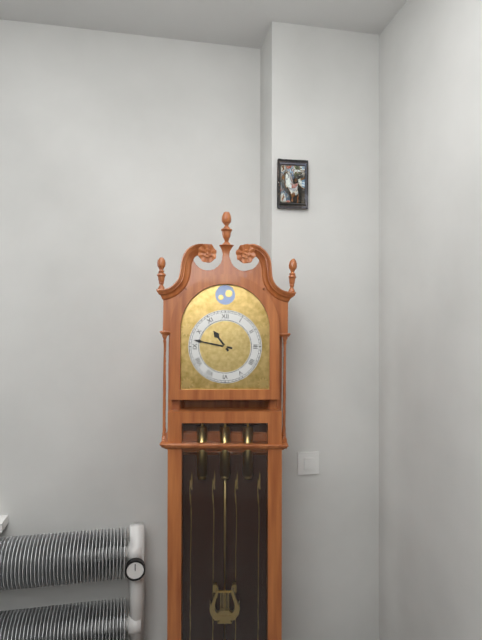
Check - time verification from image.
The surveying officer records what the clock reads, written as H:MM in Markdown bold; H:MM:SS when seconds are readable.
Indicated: **10:47**
